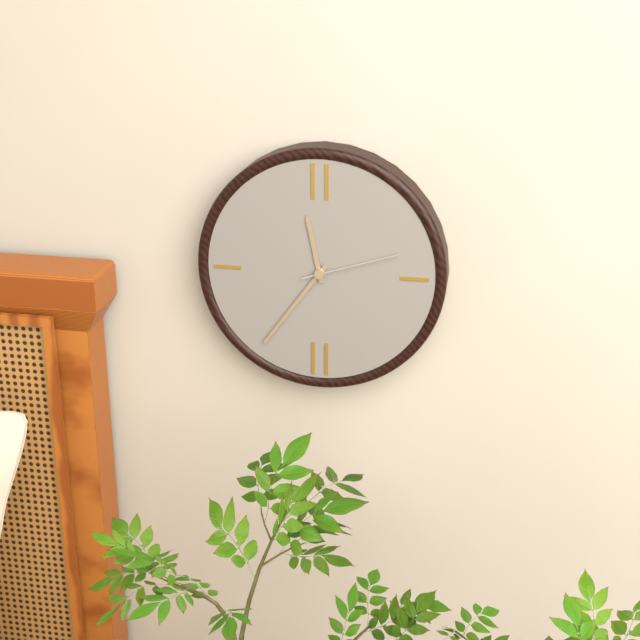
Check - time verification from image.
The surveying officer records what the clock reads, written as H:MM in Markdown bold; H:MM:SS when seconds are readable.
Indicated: **11:36:12**
